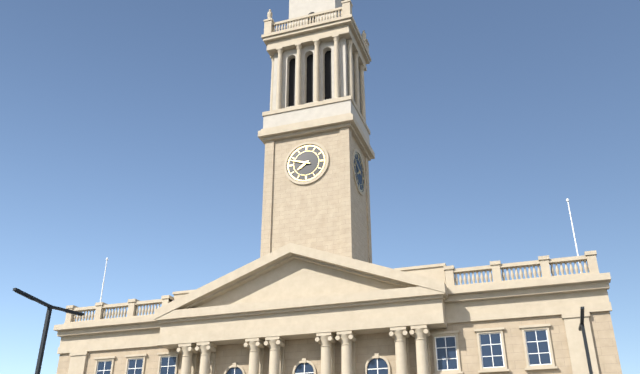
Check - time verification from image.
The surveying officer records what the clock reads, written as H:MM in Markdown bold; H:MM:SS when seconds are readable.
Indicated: **7:48**
